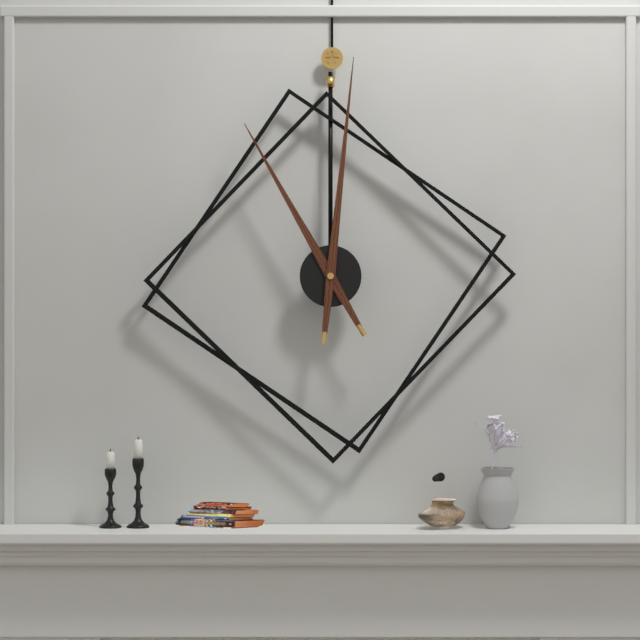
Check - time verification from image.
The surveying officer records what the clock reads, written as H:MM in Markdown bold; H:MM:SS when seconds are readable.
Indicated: **11:01**
